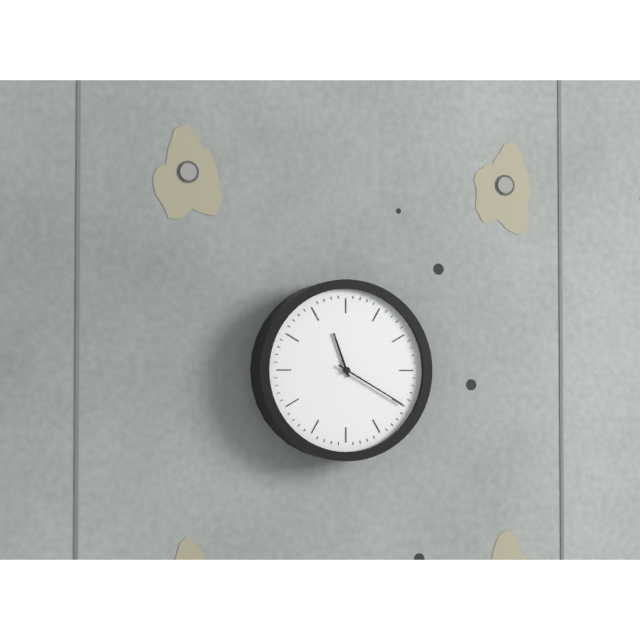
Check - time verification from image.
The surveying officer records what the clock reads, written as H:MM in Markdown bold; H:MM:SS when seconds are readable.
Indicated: **11:20**
